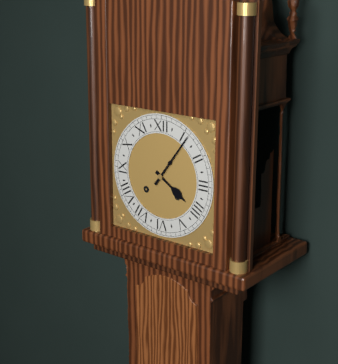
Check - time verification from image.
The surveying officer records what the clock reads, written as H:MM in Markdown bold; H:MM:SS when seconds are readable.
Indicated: **4:06**
